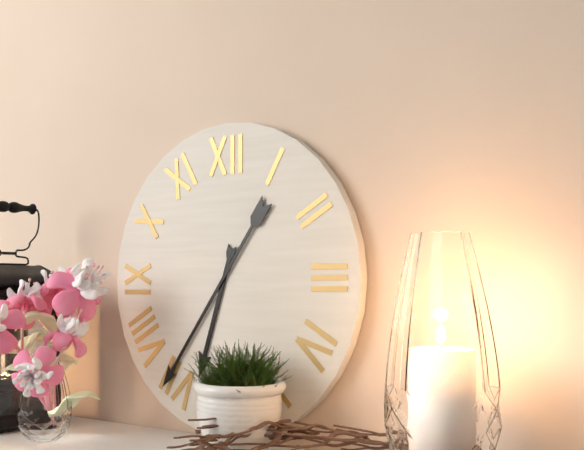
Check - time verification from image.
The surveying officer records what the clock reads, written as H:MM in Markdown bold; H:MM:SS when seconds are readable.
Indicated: **6:36**
